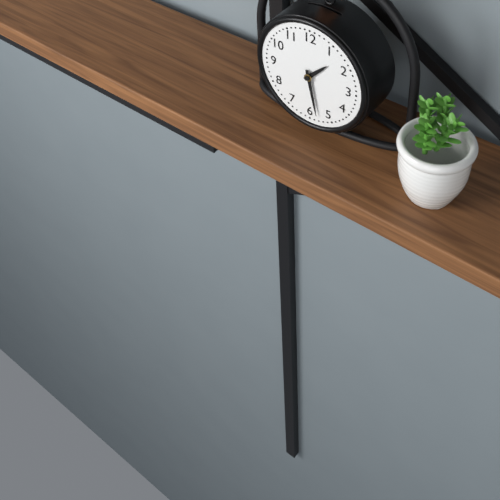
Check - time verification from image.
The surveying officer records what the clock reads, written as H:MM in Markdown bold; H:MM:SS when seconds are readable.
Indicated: **1:28**
